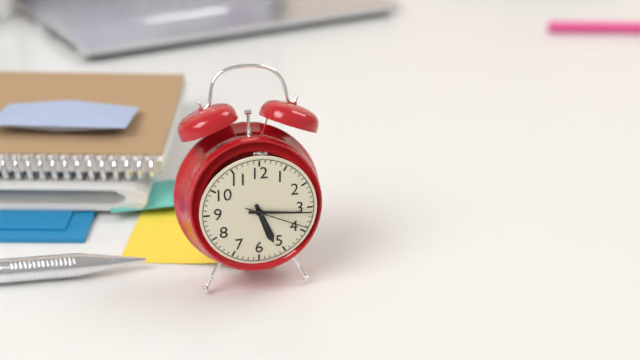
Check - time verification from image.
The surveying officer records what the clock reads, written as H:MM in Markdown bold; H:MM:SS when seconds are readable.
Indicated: **5:16:19**
